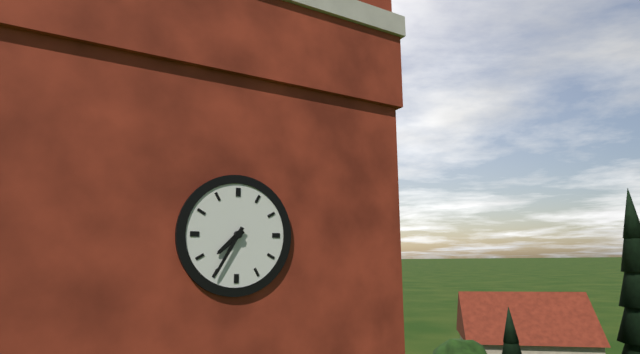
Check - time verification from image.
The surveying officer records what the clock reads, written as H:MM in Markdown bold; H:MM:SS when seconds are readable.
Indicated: **7:35**
